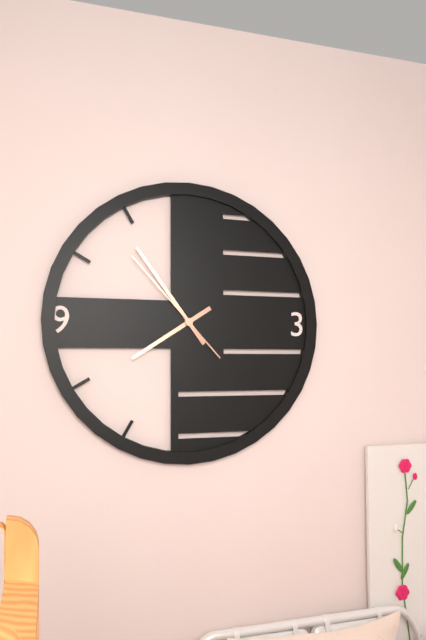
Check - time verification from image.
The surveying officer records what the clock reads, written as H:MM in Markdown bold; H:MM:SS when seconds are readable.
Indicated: **7:54:53**
